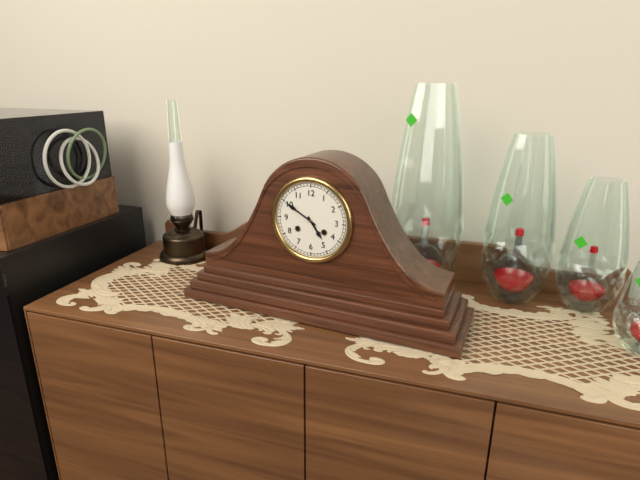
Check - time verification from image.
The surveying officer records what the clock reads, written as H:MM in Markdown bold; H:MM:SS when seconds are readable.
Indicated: **4:50**
